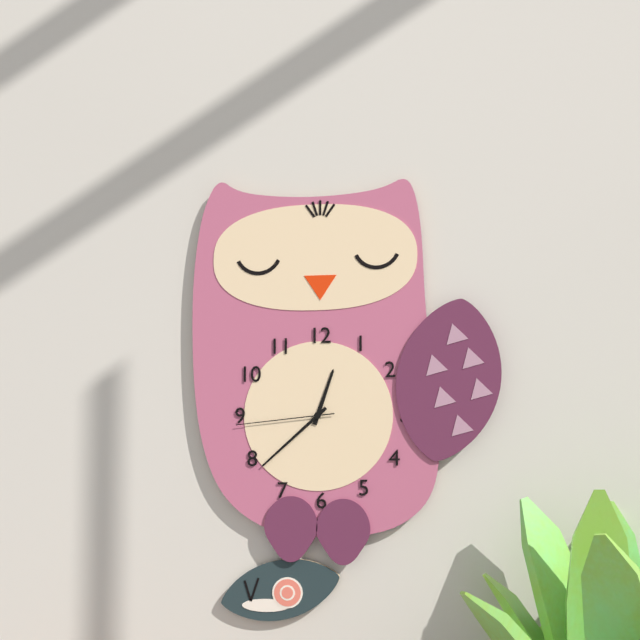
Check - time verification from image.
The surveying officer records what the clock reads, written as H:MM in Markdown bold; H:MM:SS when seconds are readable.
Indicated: **12:38:44**
